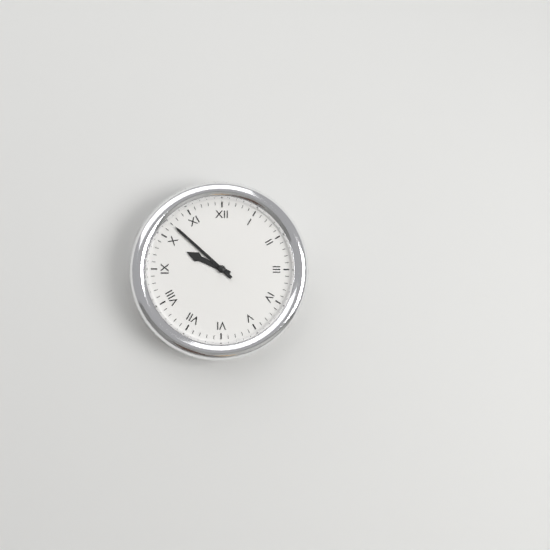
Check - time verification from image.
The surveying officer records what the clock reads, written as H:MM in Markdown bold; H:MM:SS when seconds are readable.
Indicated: **9:52**
